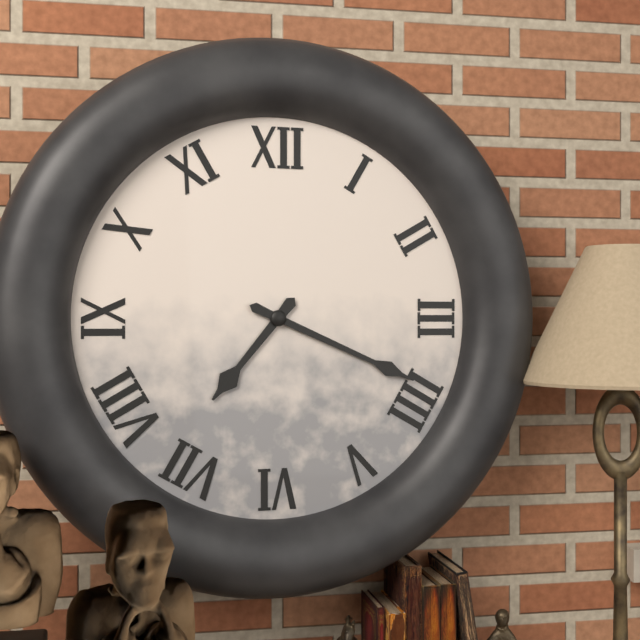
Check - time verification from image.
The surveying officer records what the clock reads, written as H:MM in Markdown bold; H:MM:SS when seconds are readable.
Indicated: **7:19**
